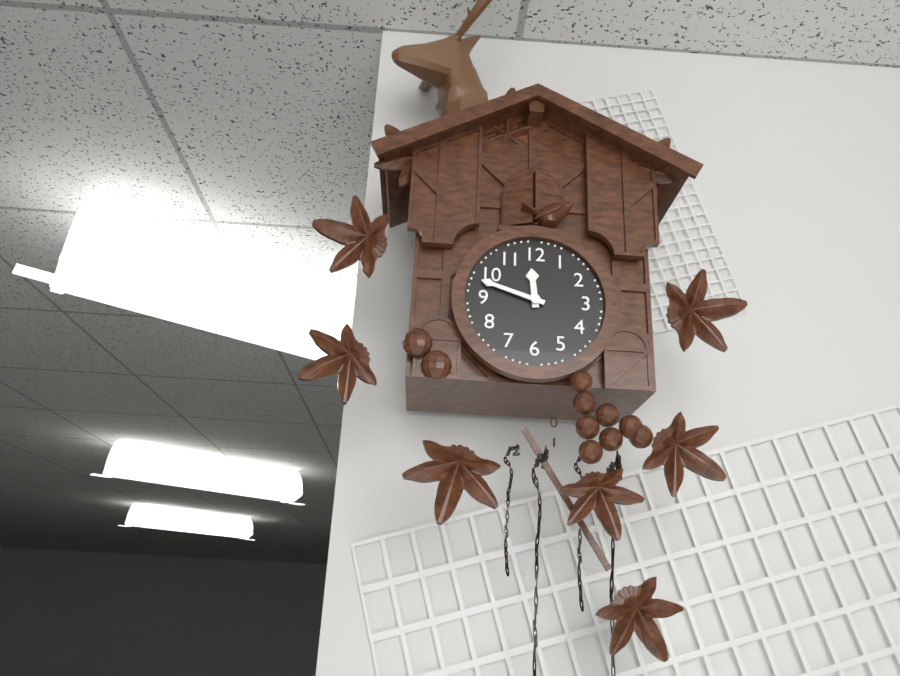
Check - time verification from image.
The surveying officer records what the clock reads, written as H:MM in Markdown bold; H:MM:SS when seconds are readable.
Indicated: **11:48**
